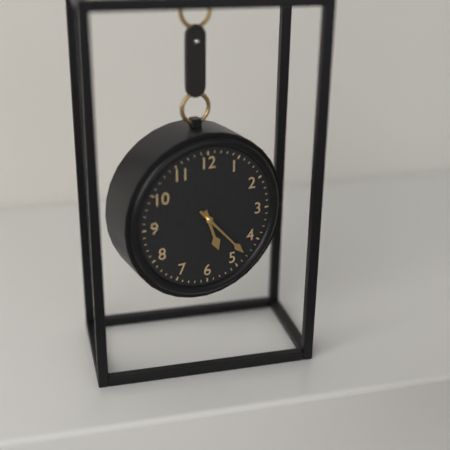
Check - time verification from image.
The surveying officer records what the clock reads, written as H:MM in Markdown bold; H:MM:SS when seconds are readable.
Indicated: **5:23**
